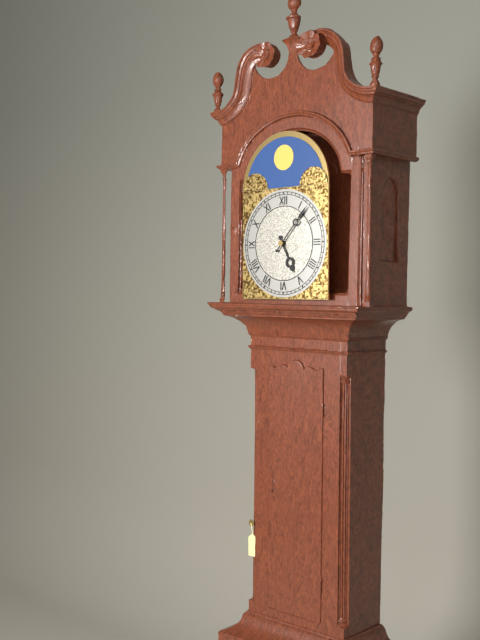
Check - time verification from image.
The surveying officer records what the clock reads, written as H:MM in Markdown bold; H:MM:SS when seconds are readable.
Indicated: **5:07**
